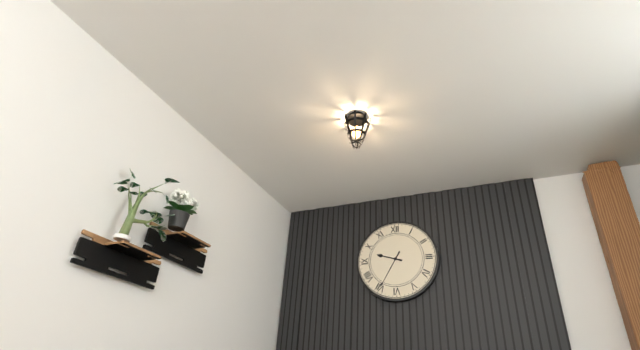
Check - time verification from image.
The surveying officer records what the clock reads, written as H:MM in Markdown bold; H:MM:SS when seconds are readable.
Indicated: **9:35**
